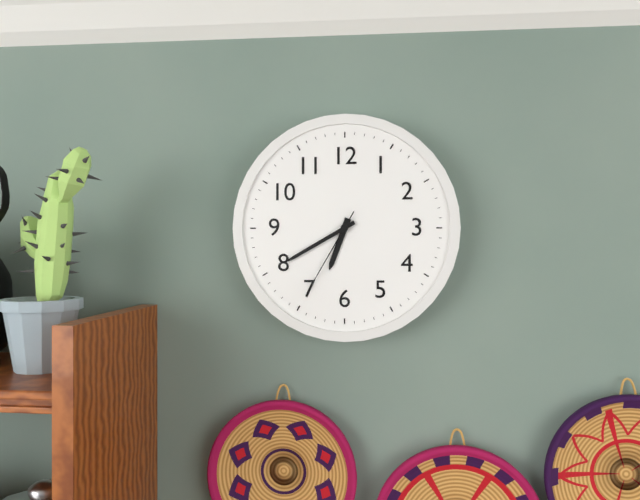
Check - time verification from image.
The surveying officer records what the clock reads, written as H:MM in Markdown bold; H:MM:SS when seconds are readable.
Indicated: **6:40:35**
